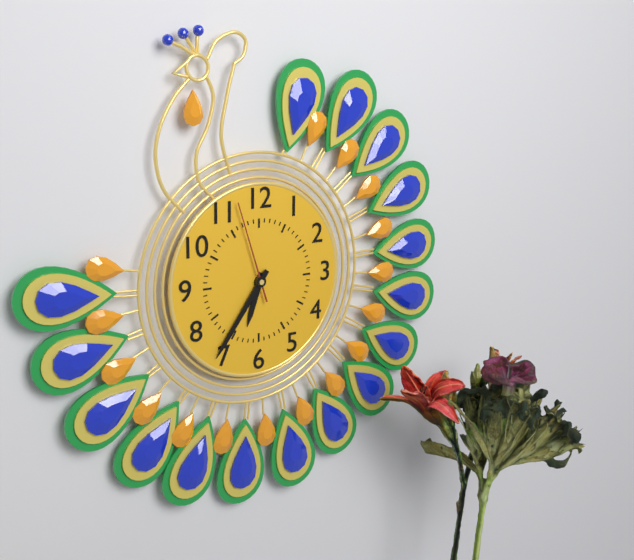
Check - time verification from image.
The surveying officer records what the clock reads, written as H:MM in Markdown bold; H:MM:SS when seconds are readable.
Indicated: **6:36:57**
